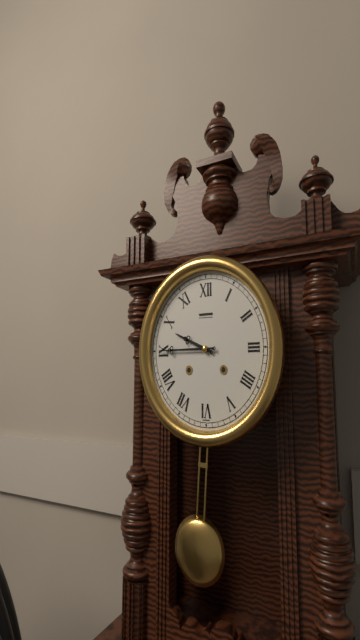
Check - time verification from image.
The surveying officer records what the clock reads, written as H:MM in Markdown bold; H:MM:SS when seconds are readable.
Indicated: **9:45**
